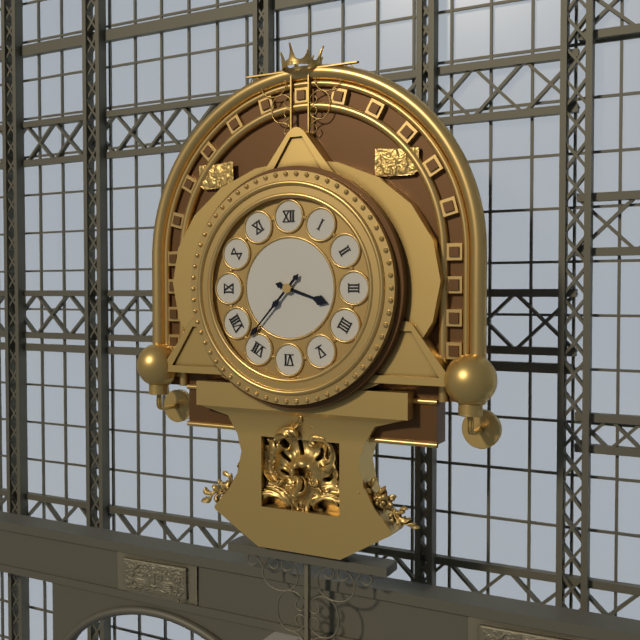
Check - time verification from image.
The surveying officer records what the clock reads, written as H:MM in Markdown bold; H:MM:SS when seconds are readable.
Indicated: **3:37**
